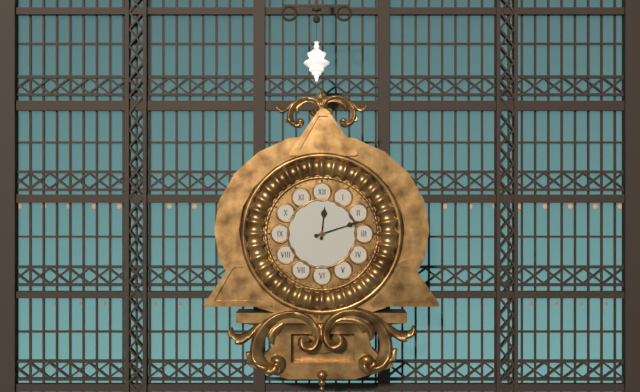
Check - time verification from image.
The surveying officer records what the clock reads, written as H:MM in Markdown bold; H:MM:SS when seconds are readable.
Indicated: **12:12**
